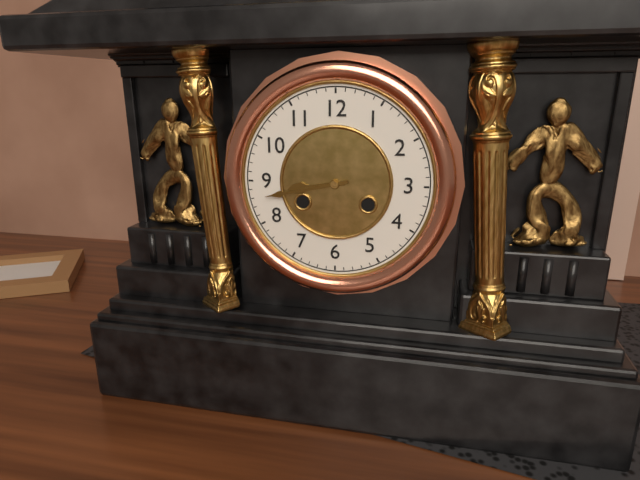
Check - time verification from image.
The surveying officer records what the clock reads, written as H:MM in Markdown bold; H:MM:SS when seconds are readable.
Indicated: **8:43**
